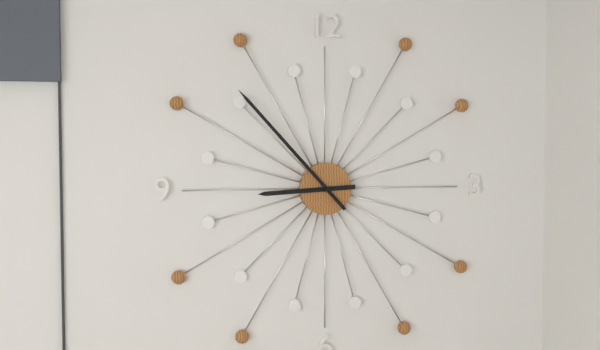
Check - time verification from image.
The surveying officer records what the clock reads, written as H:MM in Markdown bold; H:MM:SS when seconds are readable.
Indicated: **8:53**
